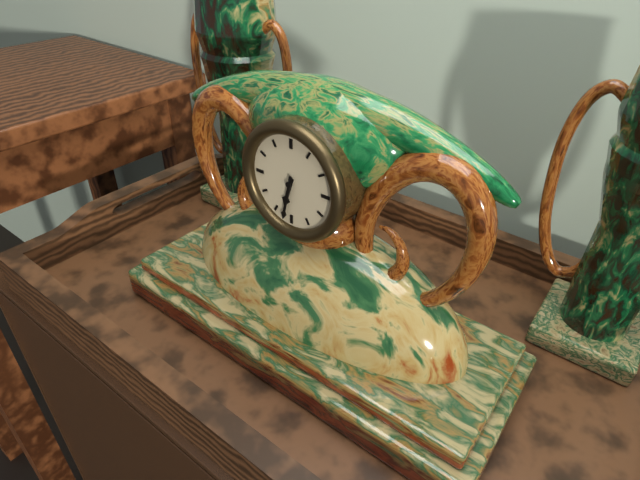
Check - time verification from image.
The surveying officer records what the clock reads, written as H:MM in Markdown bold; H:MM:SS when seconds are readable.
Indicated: **6:32**
